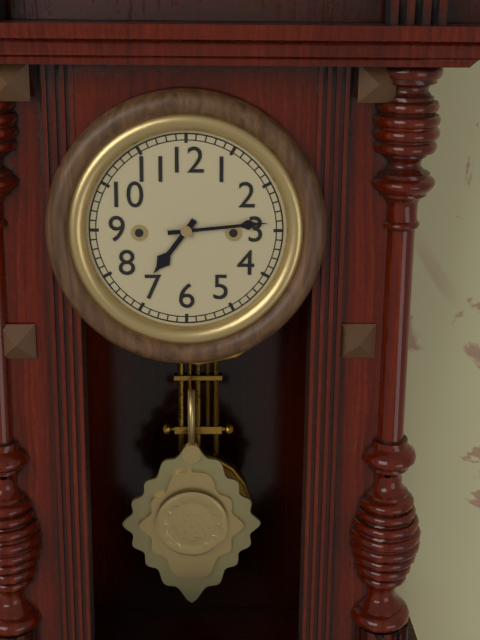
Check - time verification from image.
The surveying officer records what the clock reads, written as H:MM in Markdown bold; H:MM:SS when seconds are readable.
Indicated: **7:14**
